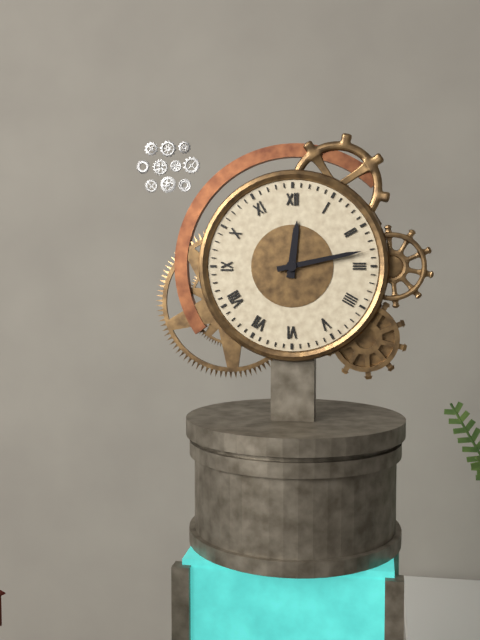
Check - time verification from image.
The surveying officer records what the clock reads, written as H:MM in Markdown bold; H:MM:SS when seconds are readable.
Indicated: **12:13**
